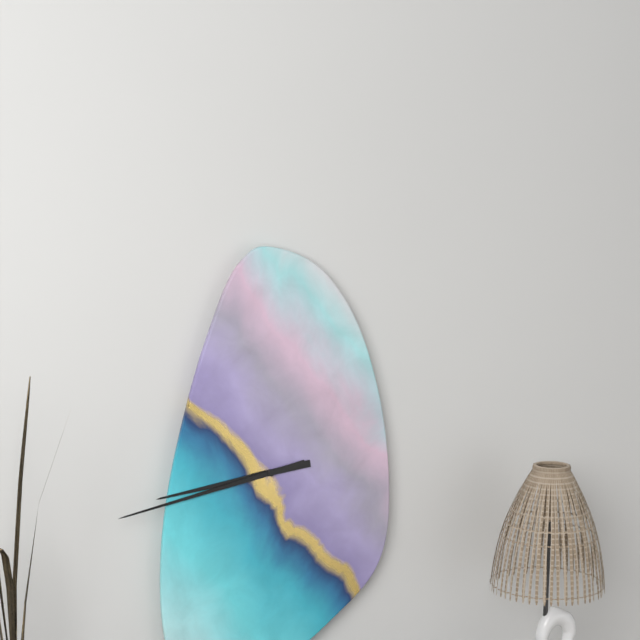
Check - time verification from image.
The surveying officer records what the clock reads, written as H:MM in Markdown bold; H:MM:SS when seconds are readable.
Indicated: **8:43**
